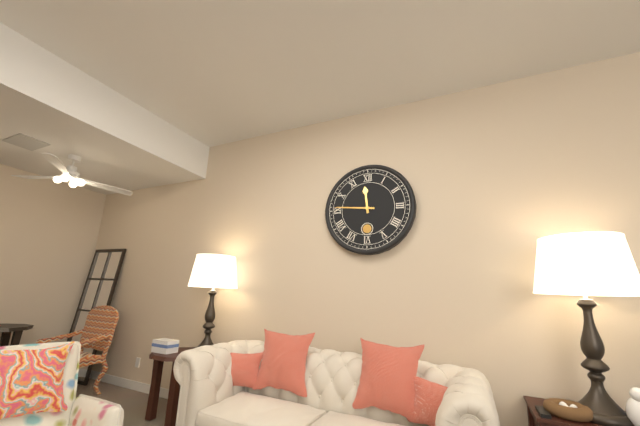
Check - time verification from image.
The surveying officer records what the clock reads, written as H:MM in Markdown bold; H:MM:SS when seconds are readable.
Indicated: **11:46**
